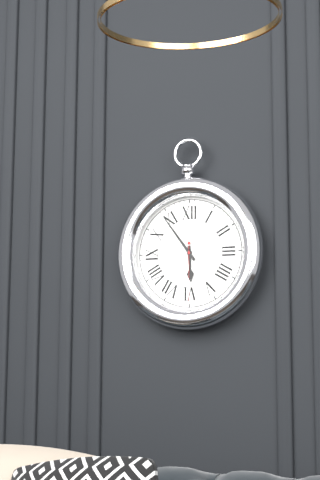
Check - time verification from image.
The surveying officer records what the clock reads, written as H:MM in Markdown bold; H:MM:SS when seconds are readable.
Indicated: **5:54:30**
